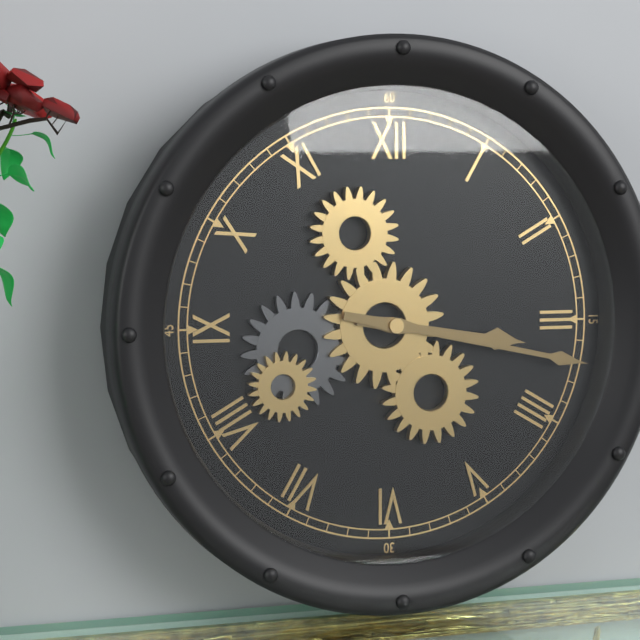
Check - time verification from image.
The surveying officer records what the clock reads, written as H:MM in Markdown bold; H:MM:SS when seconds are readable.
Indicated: **3:17**
